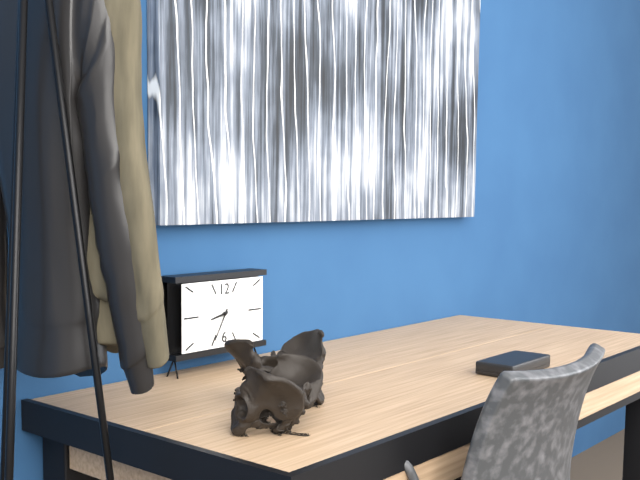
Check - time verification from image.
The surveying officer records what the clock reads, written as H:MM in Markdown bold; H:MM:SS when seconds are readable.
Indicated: **8:35**
